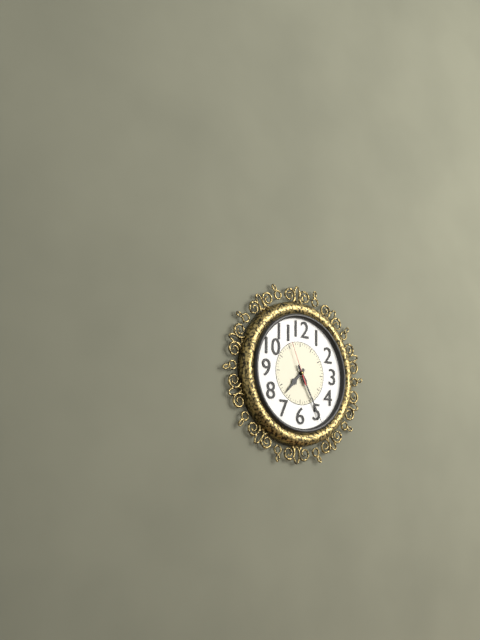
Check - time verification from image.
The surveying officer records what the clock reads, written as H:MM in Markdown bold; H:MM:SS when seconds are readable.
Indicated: **7:25**
